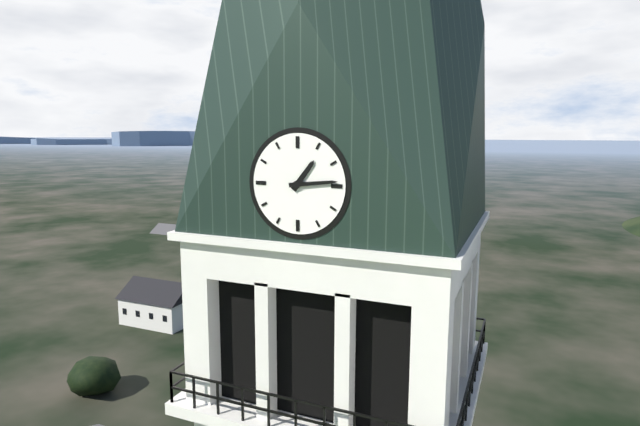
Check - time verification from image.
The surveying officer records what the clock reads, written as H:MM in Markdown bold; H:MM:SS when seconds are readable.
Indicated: **1:14**
